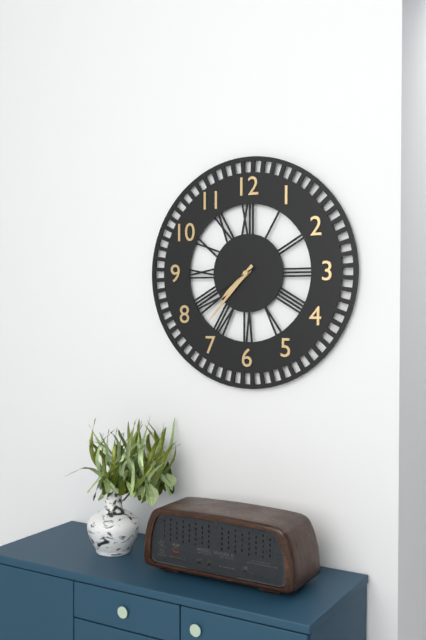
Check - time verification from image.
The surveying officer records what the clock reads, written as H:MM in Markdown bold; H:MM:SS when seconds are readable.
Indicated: **7:37:40**
